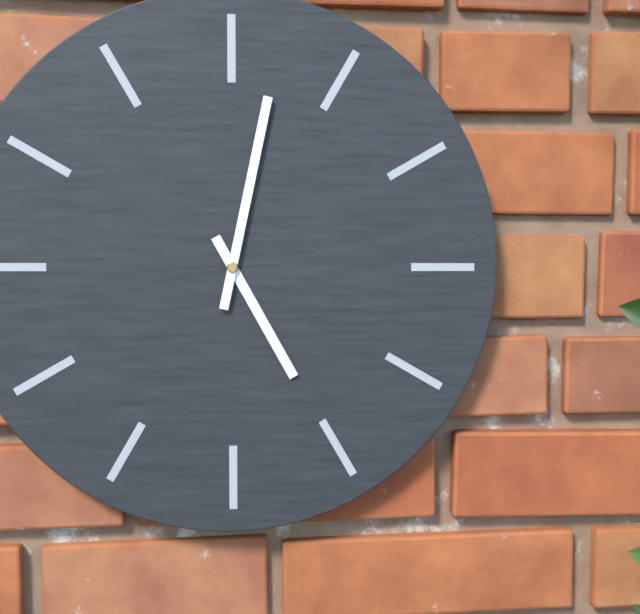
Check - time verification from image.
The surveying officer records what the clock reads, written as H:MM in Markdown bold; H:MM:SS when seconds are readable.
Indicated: **5:02**
